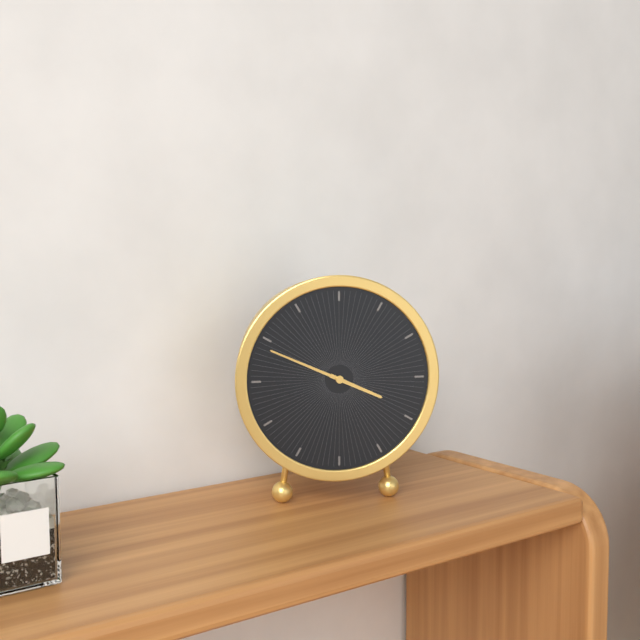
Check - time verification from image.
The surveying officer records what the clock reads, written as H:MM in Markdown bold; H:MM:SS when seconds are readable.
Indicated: **3:49**
